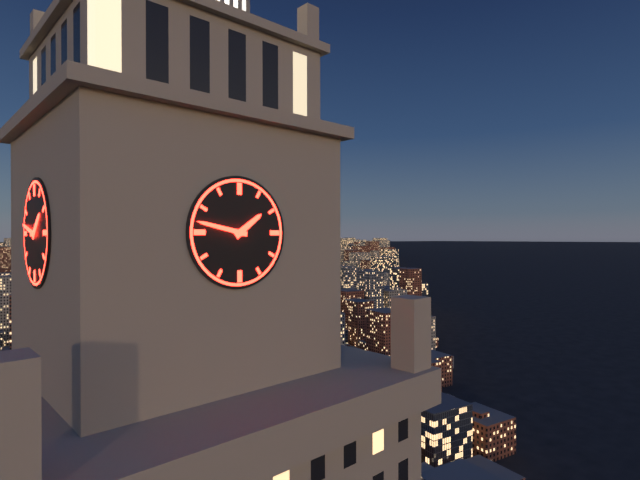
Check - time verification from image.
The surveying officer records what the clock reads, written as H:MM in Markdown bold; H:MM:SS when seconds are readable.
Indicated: **1:47**
